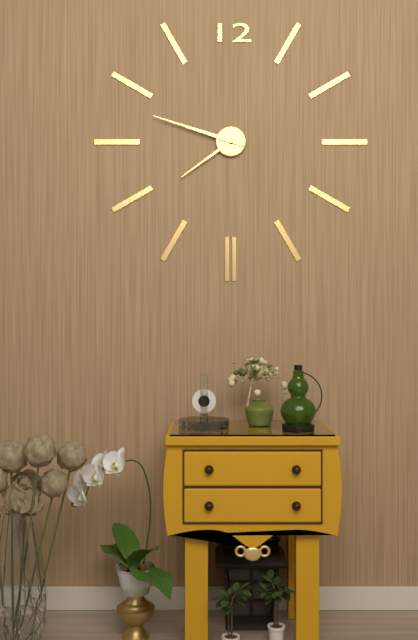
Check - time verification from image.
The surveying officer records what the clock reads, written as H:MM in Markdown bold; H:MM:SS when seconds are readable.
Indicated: **7:48**
